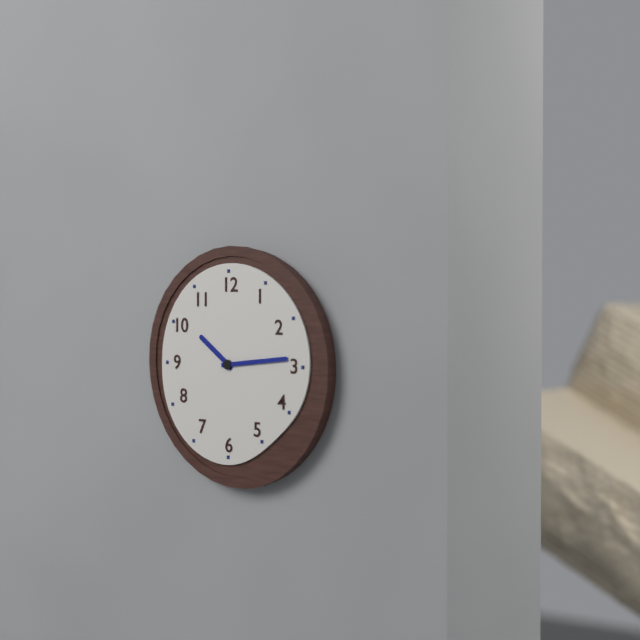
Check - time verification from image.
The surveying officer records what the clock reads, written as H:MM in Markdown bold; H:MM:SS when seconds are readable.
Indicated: **10:14**
